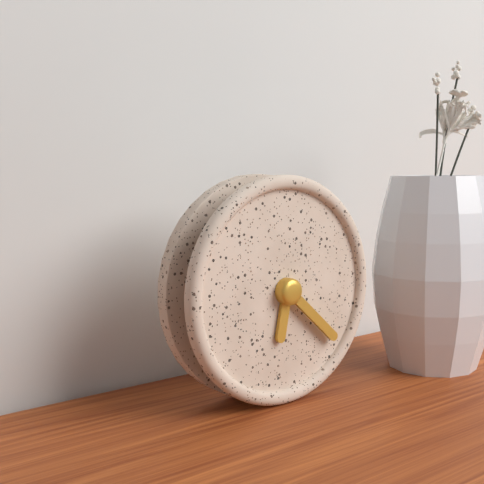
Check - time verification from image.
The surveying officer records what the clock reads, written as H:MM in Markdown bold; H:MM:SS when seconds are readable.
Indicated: **6:22**
